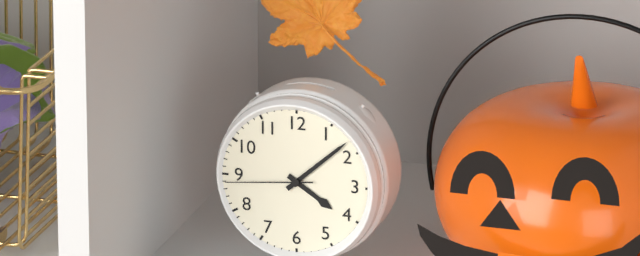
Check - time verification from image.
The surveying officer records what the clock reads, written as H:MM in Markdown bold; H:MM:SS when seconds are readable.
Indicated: **4:08:44**
